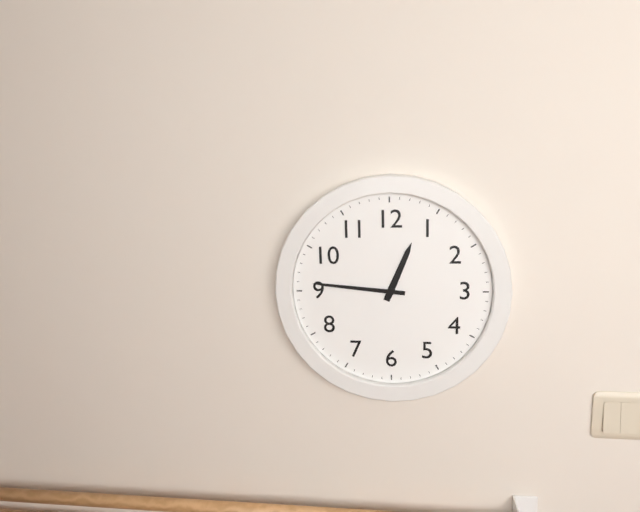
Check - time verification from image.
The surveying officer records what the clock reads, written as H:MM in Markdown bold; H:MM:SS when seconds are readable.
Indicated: **12:46**
